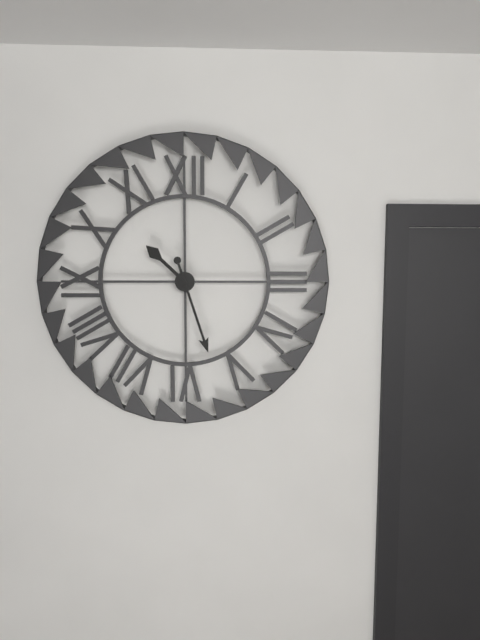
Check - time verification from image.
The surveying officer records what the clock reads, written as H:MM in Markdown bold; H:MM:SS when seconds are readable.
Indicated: **10:27**
